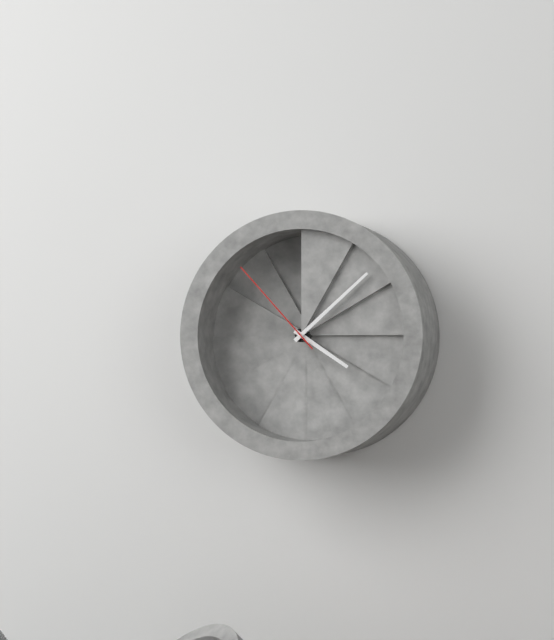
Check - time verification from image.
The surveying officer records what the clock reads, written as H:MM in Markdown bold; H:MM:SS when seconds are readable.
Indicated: **4:08:53**
